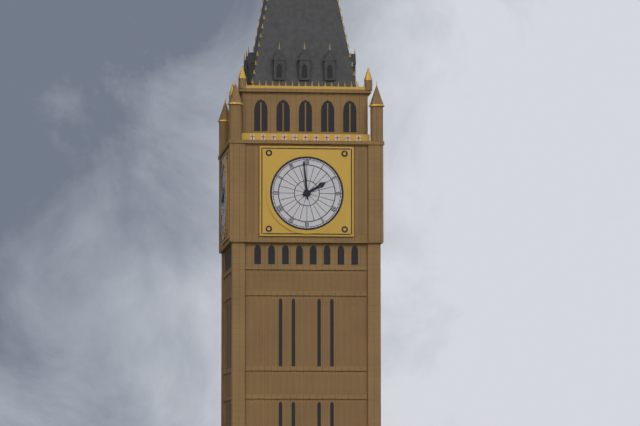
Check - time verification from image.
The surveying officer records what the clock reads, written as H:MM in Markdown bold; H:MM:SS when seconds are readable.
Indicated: **1:59**
